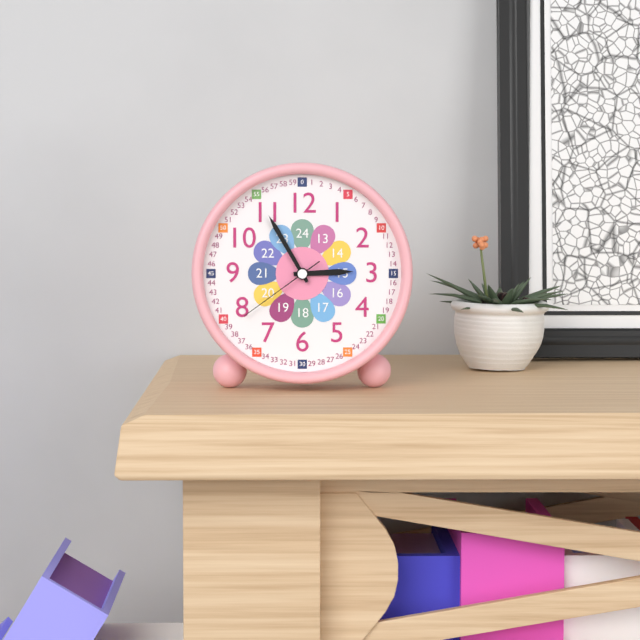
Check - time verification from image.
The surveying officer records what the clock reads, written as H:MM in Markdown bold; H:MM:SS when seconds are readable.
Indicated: **2:55:39**
